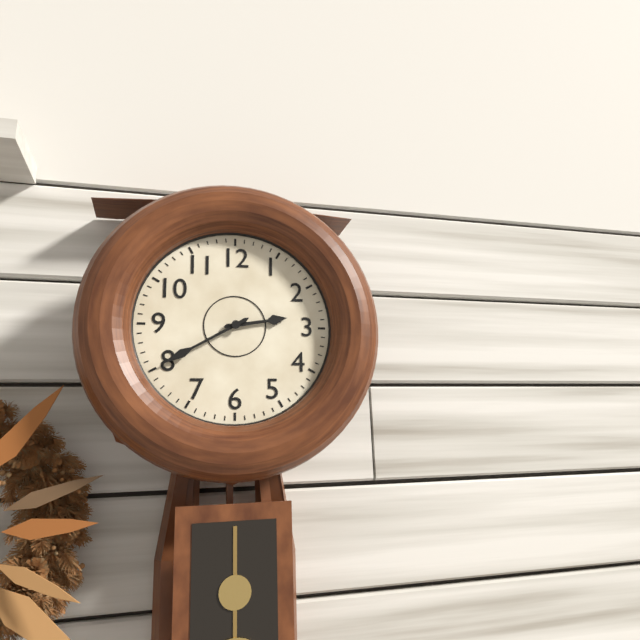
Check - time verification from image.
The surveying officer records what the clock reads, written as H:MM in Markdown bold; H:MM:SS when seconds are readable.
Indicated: **2:40**
